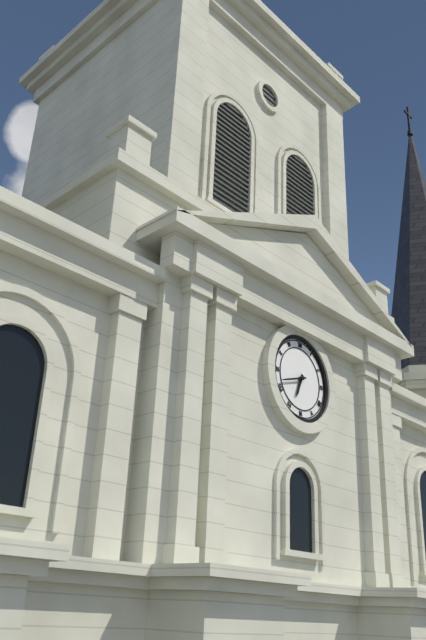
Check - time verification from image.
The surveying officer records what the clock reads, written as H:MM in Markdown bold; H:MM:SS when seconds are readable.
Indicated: **6:42**
